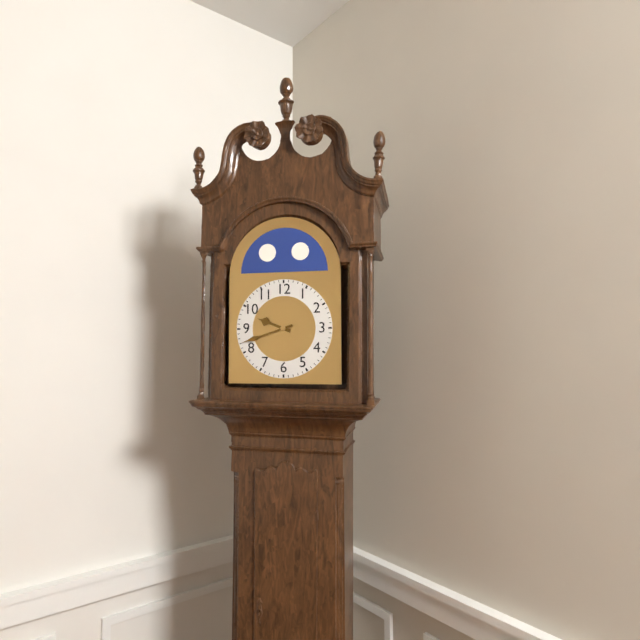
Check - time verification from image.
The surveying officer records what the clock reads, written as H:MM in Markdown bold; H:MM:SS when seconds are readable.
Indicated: **9:42**
